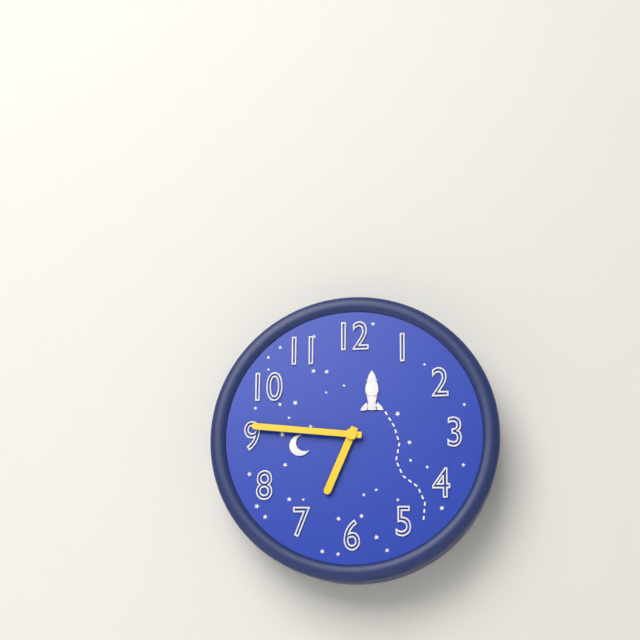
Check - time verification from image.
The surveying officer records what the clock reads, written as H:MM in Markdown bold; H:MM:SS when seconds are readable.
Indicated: **6:46**
